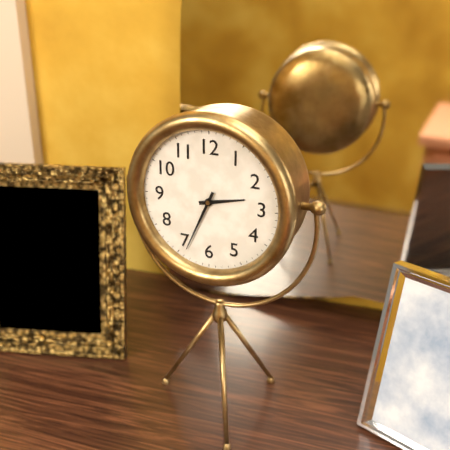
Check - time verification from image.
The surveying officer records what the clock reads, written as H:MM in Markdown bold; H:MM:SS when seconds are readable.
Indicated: **2:34**
